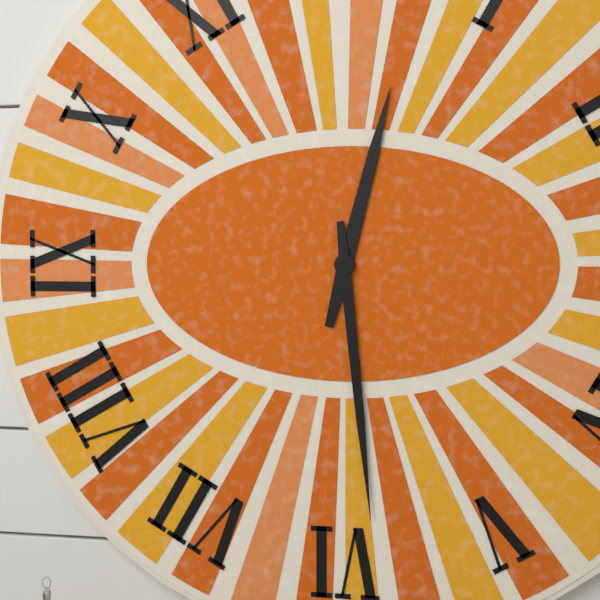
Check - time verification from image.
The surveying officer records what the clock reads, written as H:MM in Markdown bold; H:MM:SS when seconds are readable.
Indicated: **12:29**
